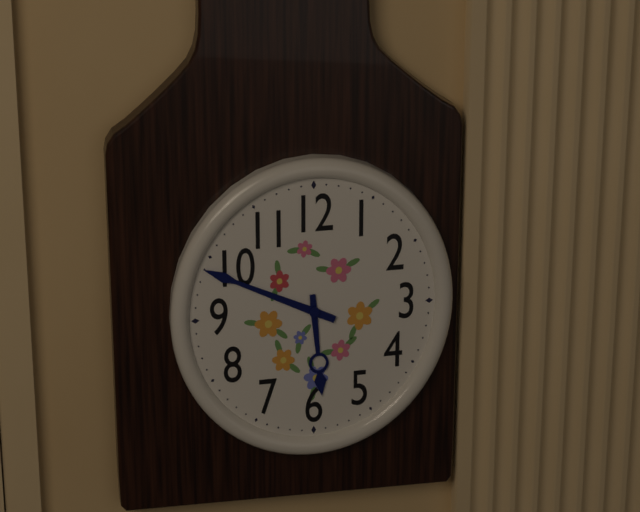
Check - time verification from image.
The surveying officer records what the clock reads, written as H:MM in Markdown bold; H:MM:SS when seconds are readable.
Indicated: **5:49**
